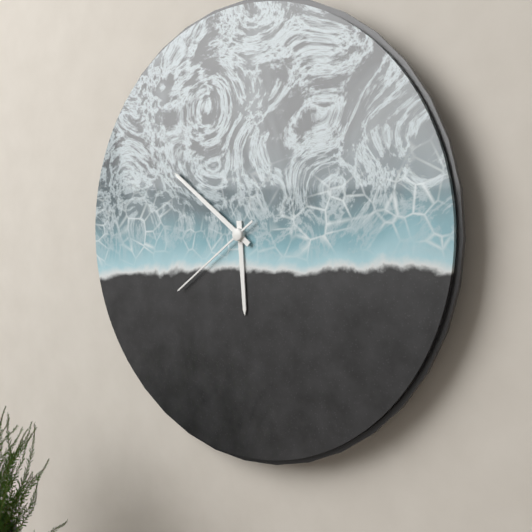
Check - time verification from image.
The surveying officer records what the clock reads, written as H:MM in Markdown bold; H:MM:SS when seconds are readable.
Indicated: **5:51:39**
